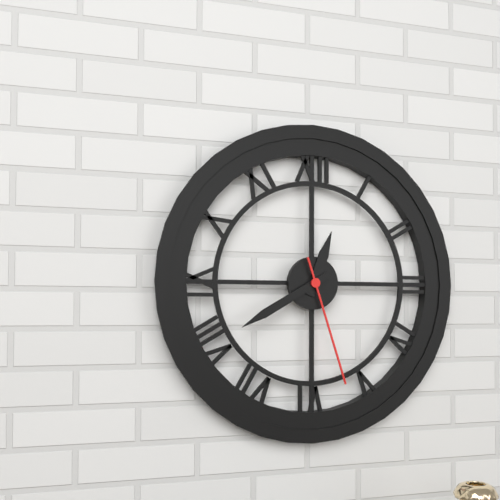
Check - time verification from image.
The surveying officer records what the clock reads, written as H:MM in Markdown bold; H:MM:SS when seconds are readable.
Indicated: **12:40:27**
